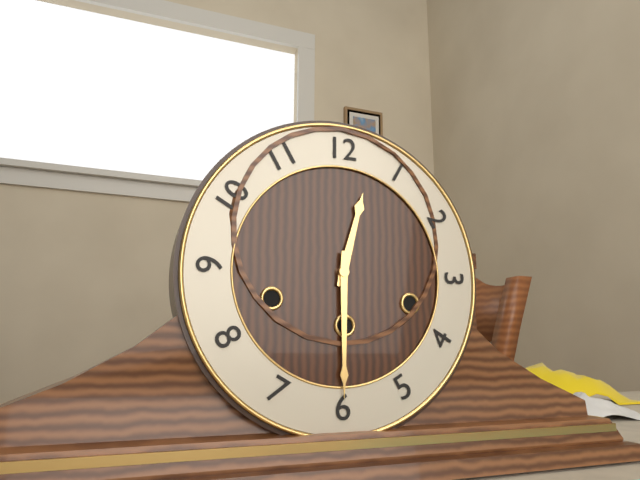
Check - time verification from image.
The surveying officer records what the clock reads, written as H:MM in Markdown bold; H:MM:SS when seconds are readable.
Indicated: **12:30**
